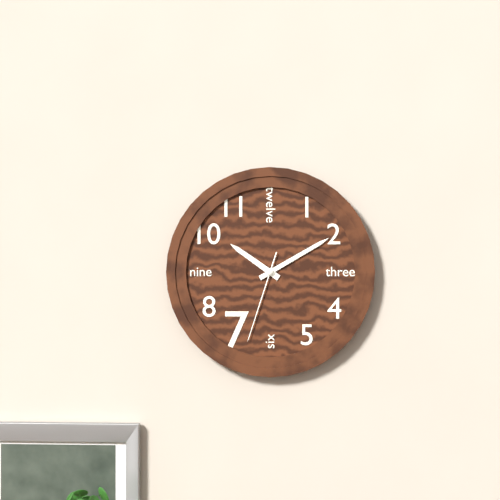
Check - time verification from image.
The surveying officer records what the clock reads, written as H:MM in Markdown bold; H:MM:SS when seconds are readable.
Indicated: **10:10:33**
